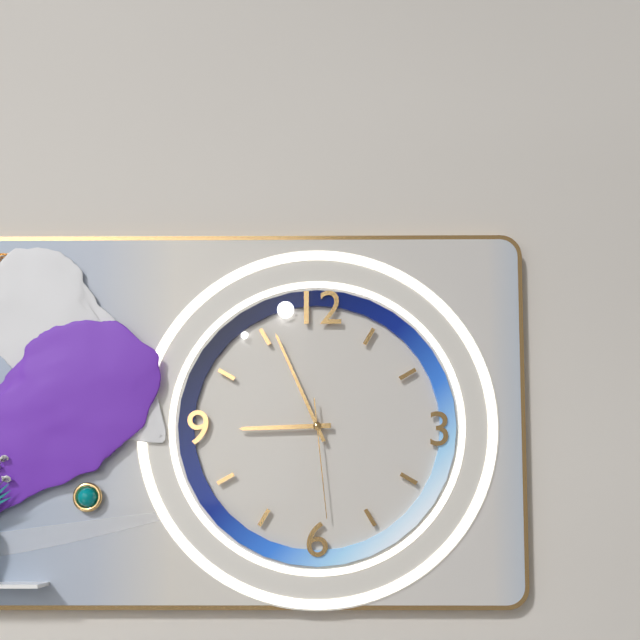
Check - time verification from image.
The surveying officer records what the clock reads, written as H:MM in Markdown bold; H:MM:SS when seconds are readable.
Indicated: **8:56:29**
